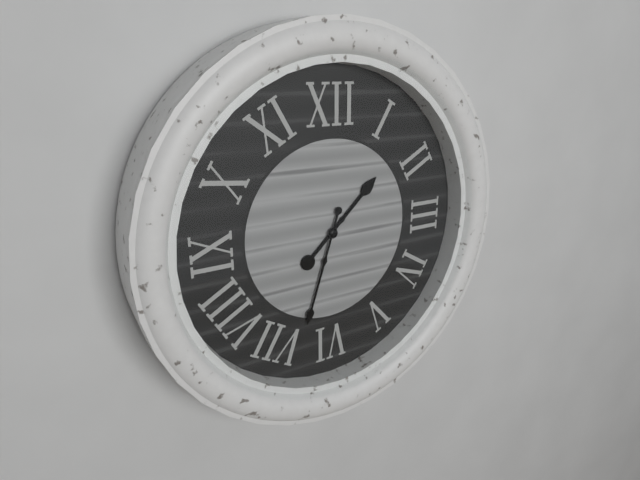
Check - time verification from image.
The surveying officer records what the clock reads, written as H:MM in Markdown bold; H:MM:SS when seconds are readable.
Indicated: **1:33**
